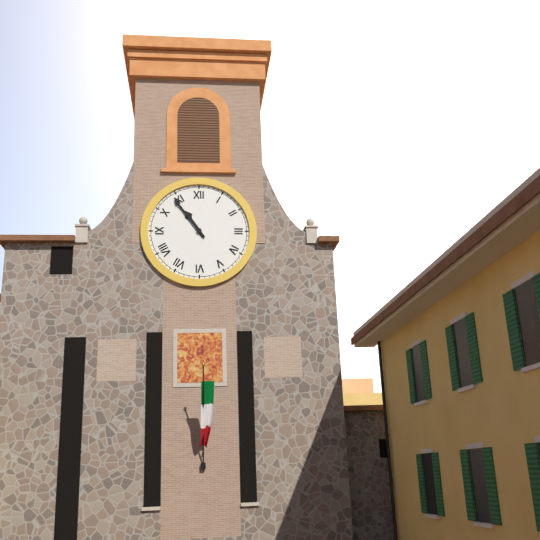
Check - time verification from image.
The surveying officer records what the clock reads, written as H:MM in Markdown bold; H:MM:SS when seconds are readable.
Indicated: **10:54**
